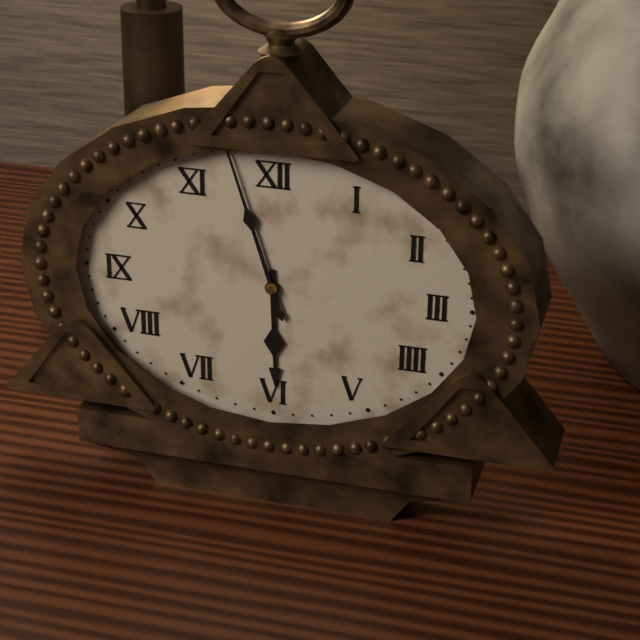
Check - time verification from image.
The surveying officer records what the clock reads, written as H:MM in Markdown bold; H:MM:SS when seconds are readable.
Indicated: **5:57**
